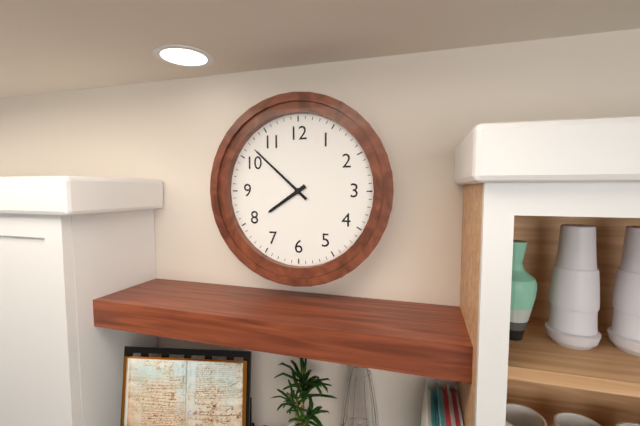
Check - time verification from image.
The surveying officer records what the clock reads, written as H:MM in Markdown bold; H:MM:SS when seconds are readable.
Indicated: **7:52**
